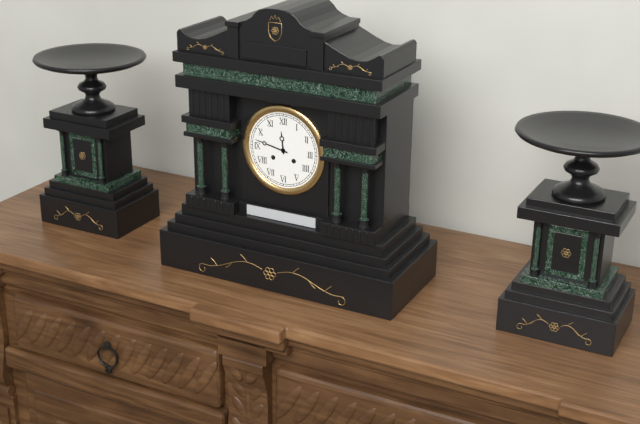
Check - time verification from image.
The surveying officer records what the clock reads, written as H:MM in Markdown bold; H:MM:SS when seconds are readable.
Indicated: **11:47**
